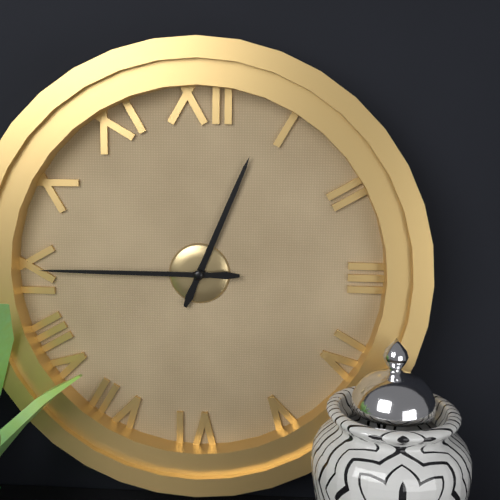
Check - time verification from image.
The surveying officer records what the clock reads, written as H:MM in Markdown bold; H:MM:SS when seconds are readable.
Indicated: **12:45**
